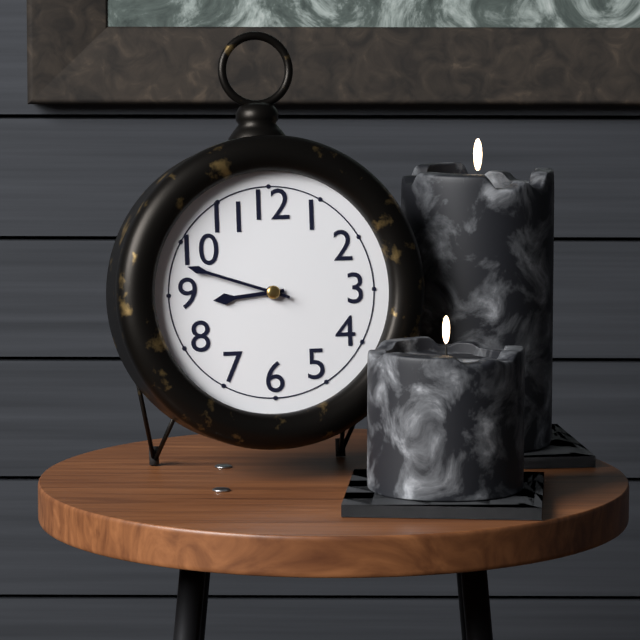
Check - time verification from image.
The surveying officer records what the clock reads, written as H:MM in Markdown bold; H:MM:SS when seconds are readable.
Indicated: **8:48**
